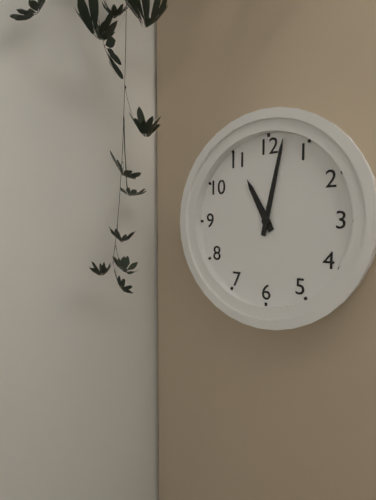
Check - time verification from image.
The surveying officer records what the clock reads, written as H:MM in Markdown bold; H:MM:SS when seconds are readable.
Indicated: **11:02**
